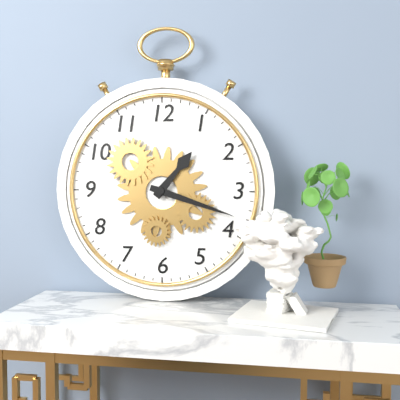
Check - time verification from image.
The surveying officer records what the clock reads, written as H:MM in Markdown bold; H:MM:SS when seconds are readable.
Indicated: **1:18**
